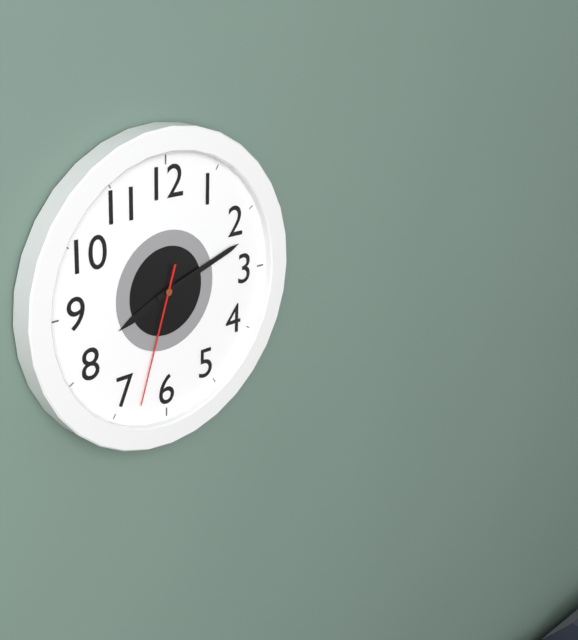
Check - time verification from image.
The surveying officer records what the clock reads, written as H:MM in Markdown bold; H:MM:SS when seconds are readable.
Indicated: **8:12:33**
